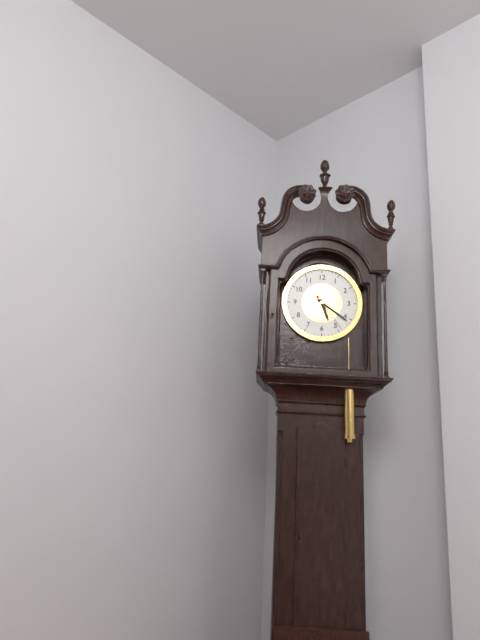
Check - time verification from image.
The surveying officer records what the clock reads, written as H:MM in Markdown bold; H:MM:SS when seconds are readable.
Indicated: **5:21**
